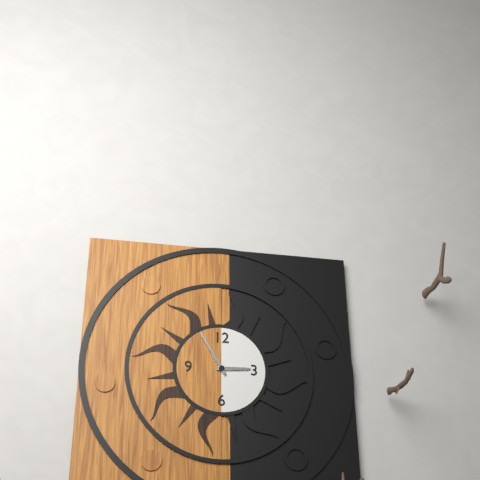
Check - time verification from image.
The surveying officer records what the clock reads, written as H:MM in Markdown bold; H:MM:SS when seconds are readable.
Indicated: **2:55**
